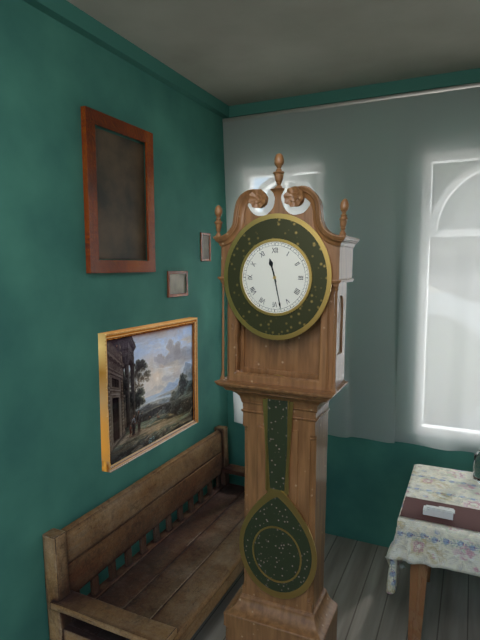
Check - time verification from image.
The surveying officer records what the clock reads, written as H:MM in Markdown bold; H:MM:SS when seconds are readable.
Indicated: **11:28**
